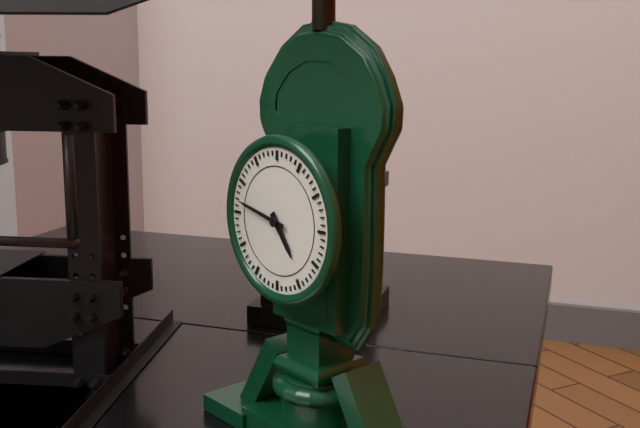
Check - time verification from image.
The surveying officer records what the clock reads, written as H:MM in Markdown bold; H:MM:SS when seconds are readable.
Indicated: **4:47**
